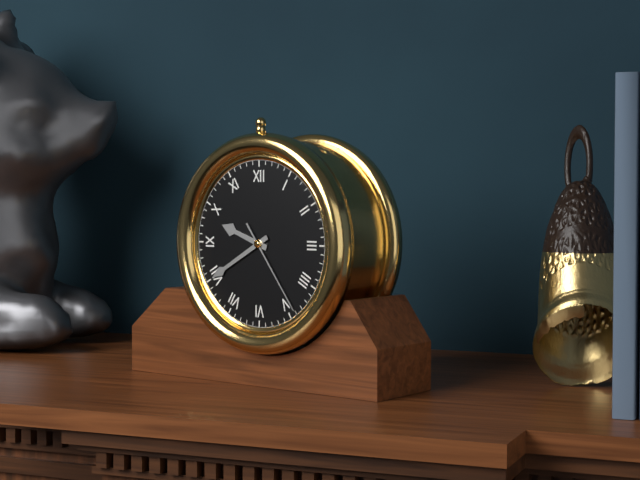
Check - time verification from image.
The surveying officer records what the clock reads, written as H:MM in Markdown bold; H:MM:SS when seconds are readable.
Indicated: **9:40:24**
